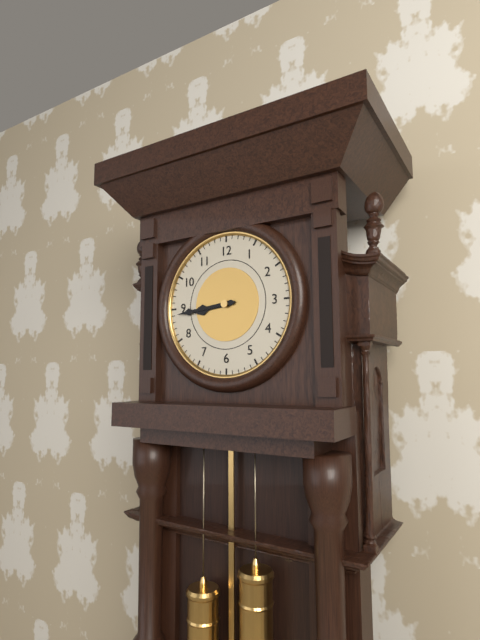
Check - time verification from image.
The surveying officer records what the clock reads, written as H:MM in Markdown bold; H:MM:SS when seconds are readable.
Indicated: **8:44**
